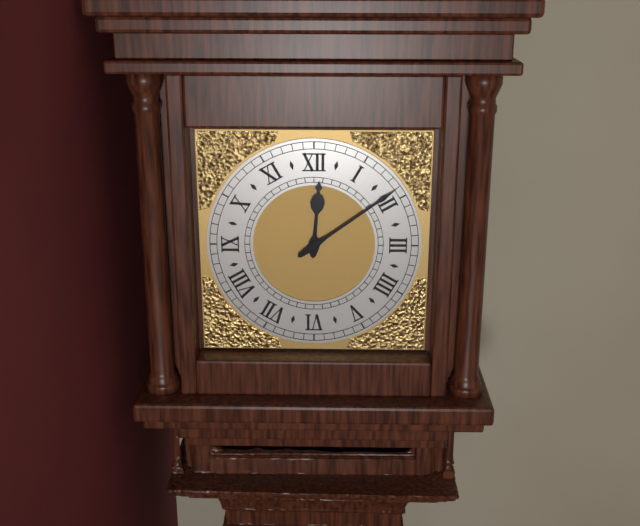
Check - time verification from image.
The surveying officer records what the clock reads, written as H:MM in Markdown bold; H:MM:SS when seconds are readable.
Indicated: **12:09**
